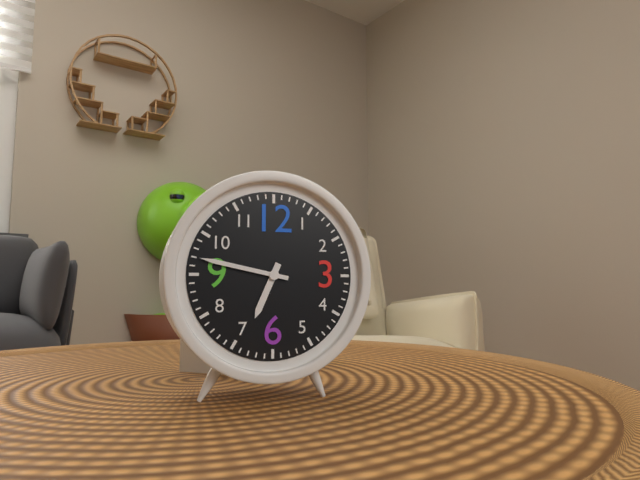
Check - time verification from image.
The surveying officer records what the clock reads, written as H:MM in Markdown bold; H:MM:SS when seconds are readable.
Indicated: **6:47**
